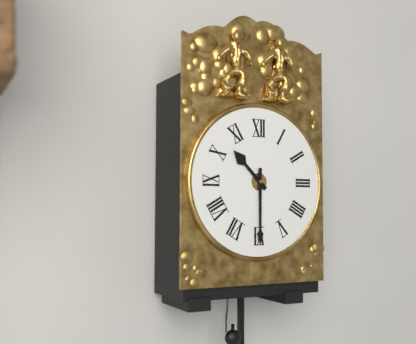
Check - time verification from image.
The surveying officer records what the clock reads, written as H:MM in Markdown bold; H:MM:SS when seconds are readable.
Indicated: **10:30**
